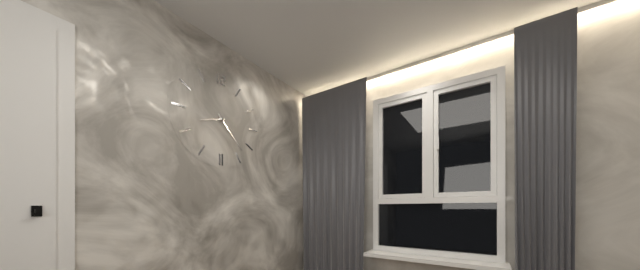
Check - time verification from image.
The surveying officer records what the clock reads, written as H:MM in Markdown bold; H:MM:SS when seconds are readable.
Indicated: **8:23**
